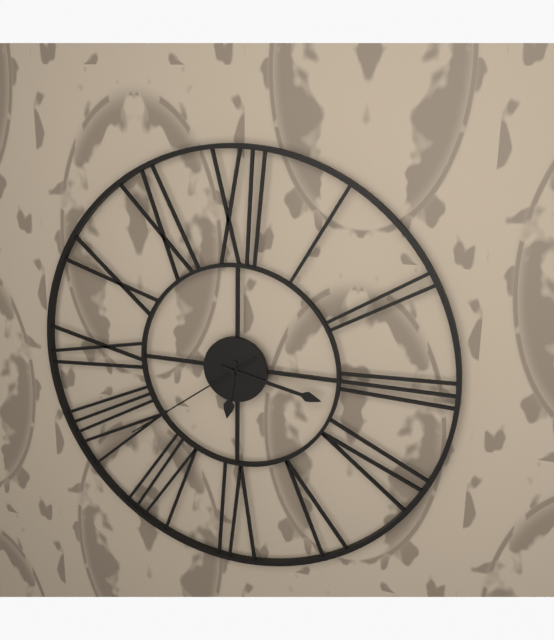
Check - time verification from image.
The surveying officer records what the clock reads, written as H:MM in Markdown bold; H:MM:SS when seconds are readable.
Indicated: **6:17:39**
